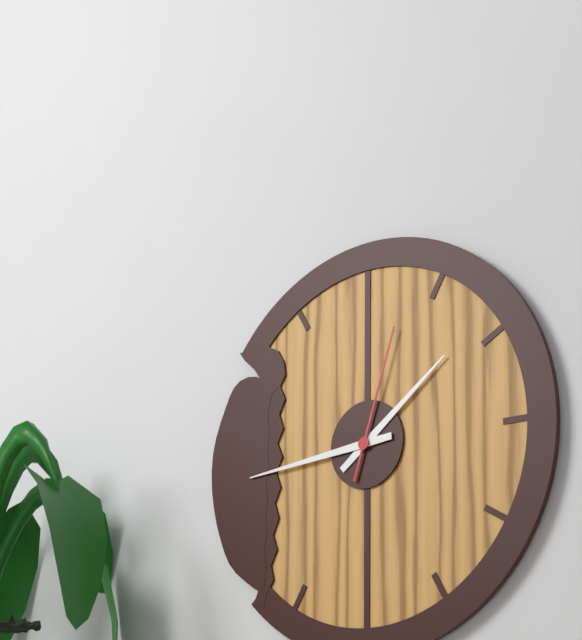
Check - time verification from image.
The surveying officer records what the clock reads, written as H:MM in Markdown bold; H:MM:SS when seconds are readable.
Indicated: **1:44:03**
